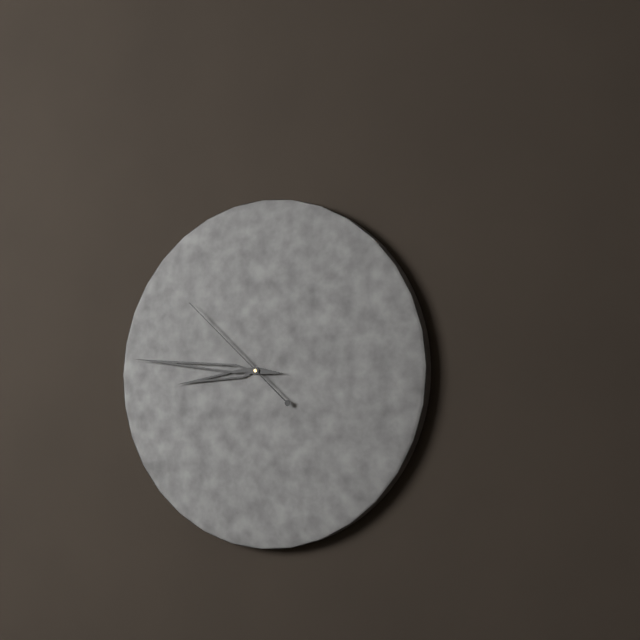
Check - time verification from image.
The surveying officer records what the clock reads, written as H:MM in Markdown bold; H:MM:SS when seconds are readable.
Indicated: **8:46:52**
